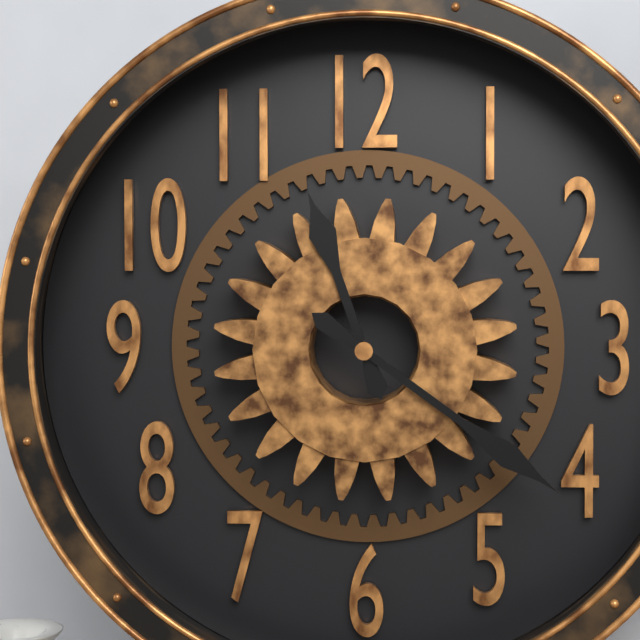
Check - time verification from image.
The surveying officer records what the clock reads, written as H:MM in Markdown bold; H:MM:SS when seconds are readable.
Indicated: **11:21**
